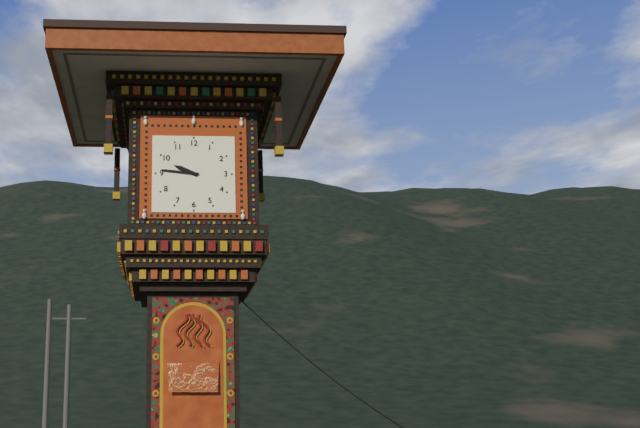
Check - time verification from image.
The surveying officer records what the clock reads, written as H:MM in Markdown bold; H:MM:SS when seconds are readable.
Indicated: **9:46**
